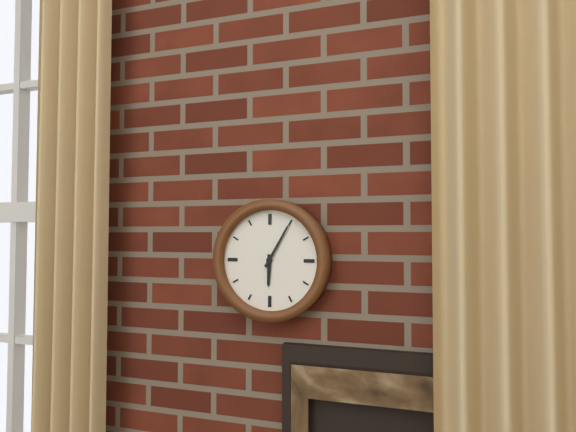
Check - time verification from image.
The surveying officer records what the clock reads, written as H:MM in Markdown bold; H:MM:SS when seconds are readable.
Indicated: **6:05**
